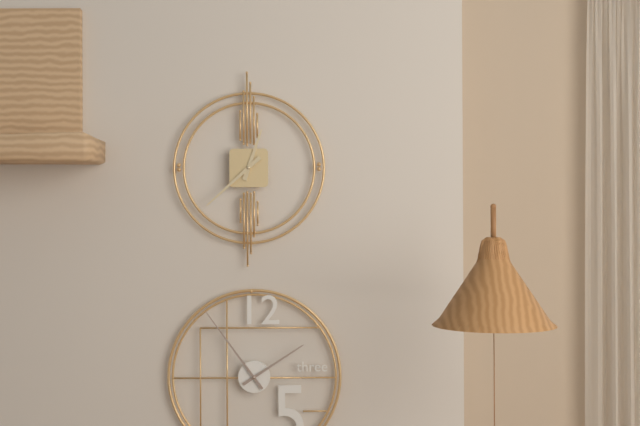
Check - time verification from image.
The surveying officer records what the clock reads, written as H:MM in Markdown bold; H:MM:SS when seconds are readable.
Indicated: **12:38**
